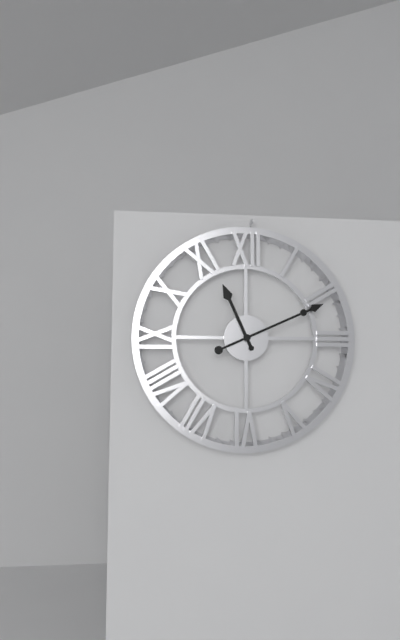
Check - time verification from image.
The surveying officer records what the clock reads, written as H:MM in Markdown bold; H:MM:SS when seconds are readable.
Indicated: **11:11**
